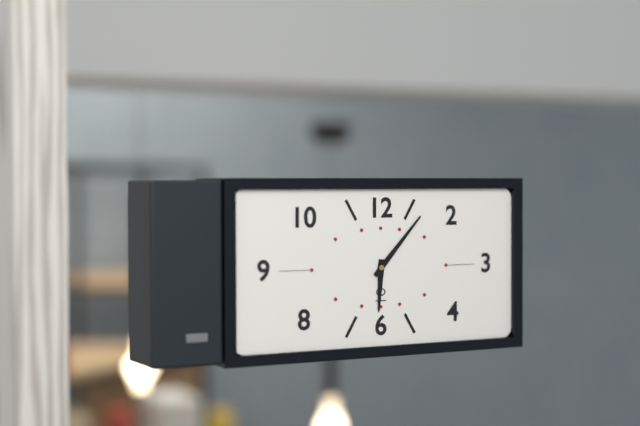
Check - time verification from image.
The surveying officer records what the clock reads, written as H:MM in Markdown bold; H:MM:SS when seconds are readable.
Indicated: **6:07**
